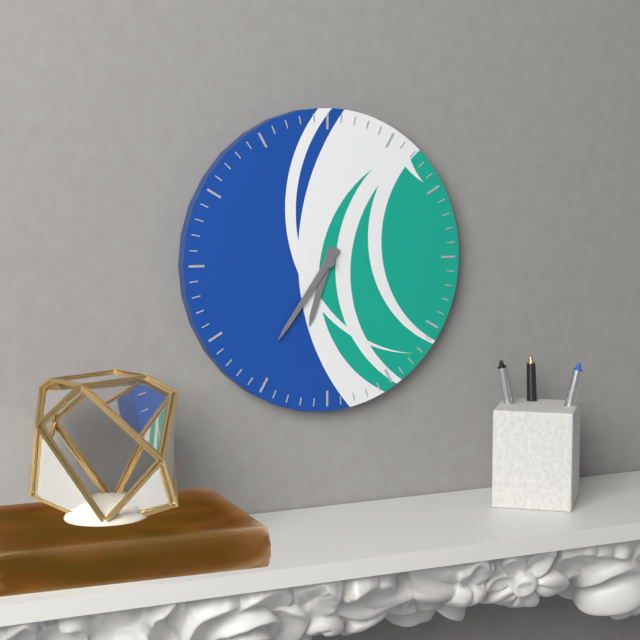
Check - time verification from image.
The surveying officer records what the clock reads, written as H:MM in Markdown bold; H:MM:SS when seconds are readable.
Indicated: **6:36**
